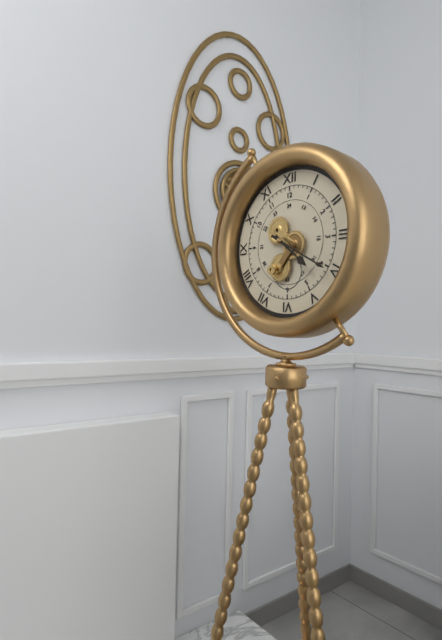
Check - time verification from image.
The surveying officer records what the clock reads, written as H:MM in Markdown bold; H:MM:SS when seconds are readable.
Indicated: **4:20**
